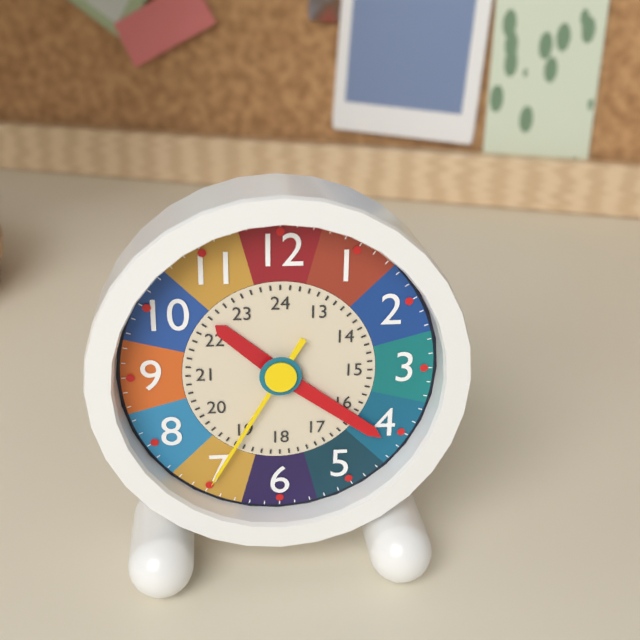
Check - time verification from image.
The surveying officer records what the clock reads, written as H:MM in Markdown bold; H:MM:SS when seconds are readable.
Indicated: **10:21:35**
